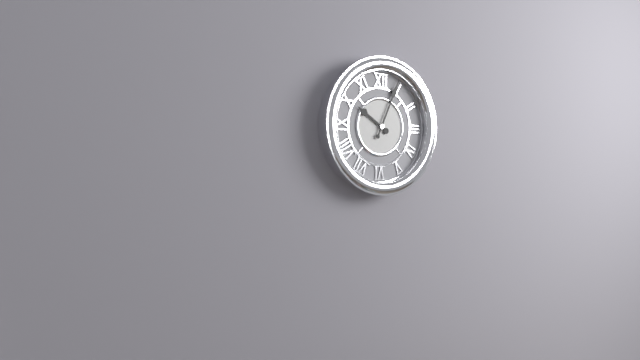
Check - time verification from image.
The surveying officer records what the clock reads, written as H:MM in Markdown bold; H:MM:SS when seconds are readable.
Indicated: **10:04**
